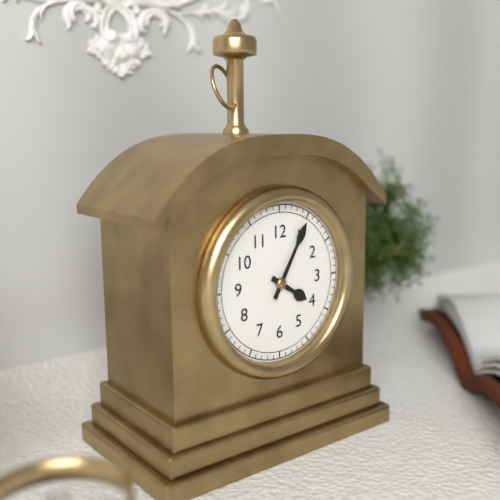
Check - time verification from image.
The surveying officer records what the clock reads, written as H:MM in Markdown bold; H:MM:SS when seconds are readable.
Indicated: **4:05**
